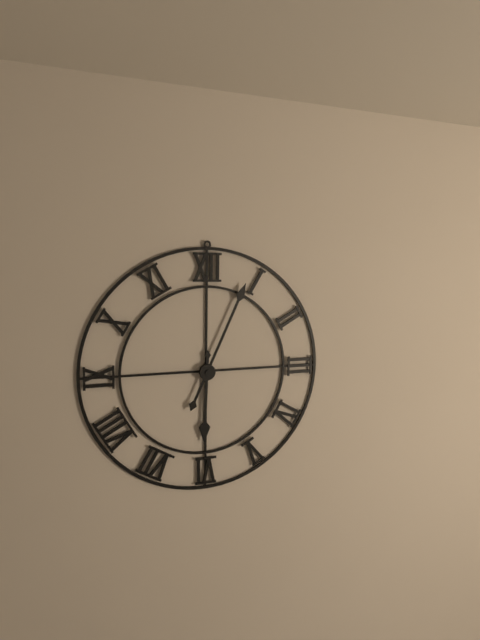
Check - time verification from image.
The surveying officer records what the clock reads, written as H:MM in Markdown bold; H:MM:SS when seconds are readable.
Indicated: **6:04**
